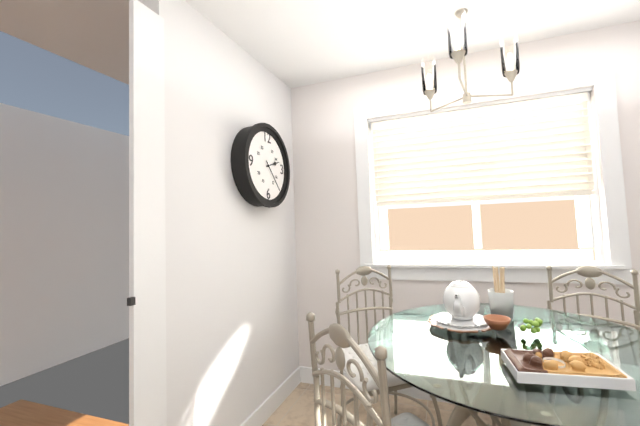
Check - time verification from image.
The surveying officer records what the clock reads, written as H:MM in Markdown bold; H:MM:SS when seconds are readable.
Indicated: **2:23**
